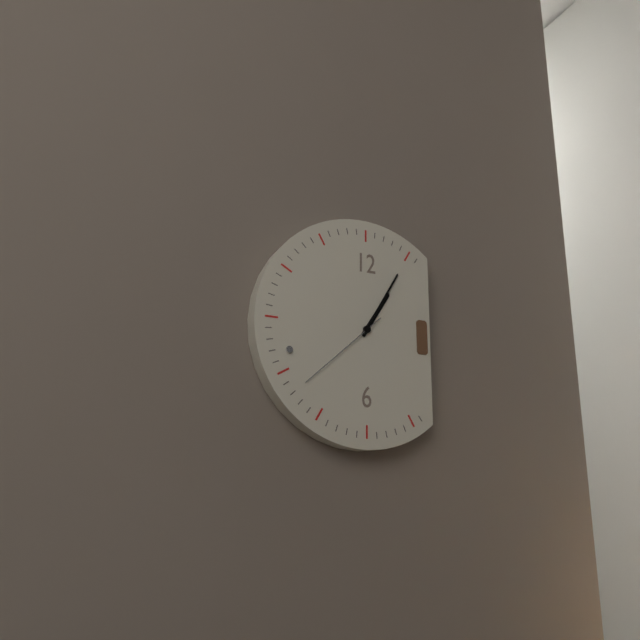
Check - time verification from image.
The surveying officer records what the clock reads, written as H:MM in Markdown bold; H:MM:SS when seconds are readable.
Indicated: **1:05:38**
